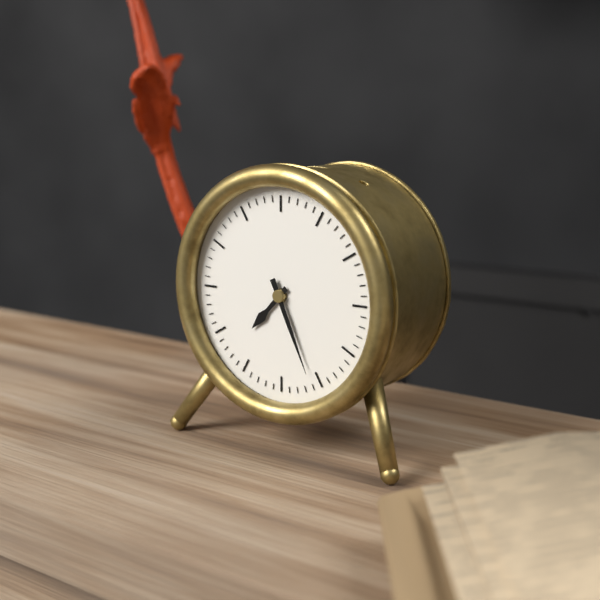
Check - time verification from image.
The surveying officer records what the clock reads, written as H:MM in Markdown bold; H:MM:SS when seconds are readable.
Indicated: **7:26**
